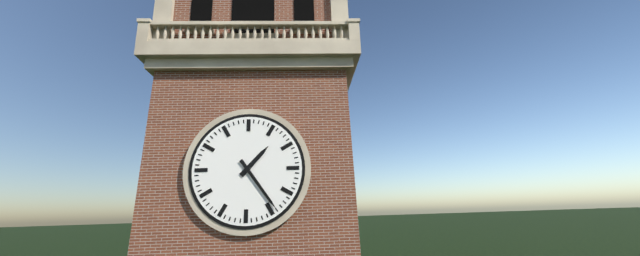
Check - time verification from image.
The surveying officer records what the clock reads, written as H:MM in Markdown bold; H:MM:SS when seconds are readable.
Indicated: **1:24**
